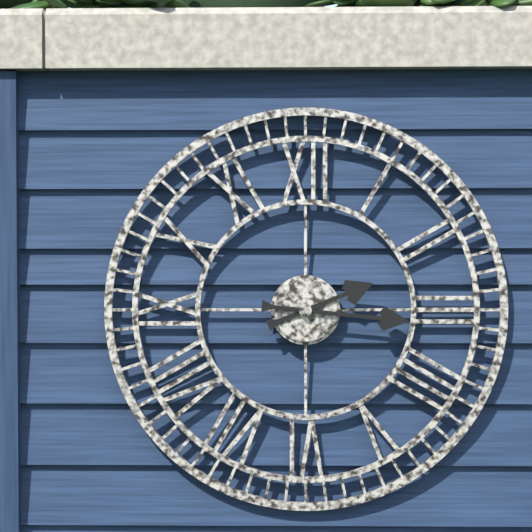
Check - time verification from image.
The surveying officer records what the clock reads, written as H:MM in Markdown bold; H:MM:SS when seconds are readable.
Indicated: **2:16**
